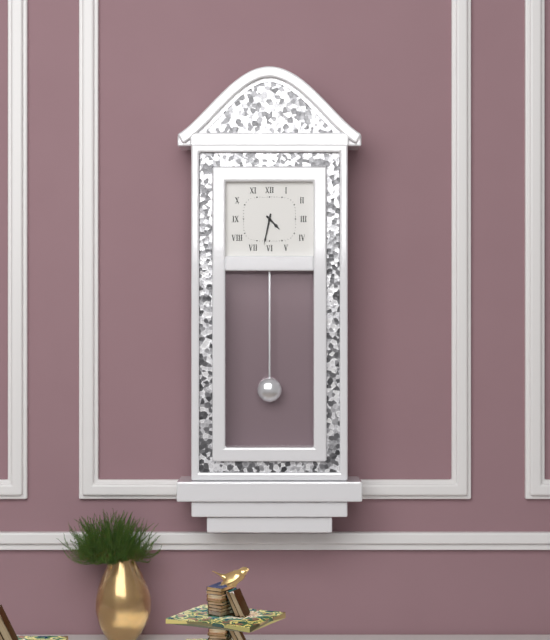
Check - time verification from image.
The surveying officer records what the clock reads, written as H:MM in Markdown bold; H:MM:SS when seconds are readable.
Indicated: **4:32**
